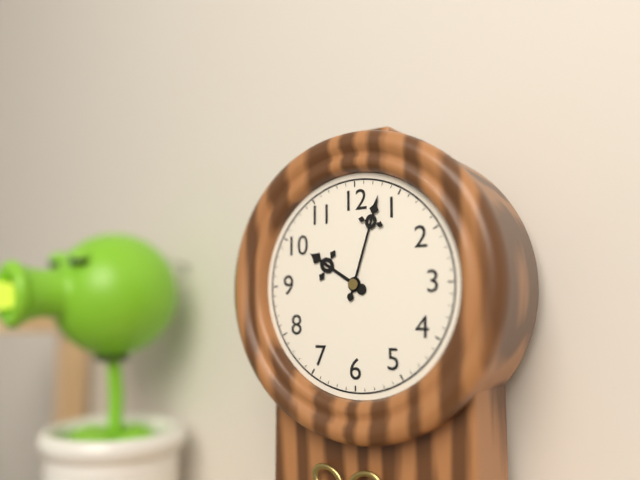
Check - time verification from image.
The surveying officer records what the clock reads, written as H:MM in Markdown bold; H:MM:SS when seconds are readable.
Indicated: **10:03**
